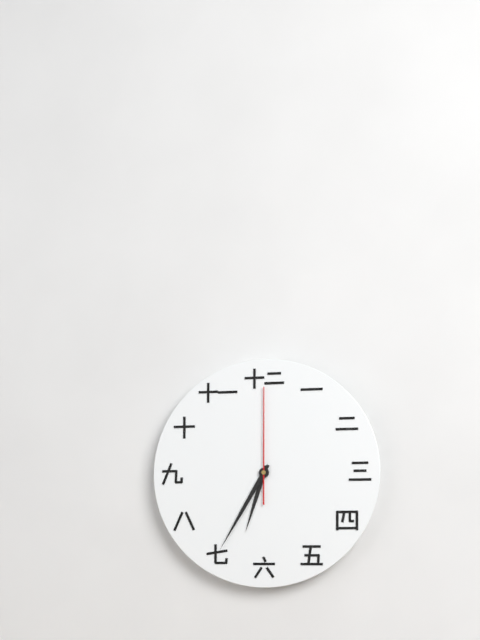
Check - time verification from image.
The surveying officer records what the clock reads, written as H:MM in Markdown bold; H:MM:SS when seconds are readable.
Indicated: **6:35:00**
